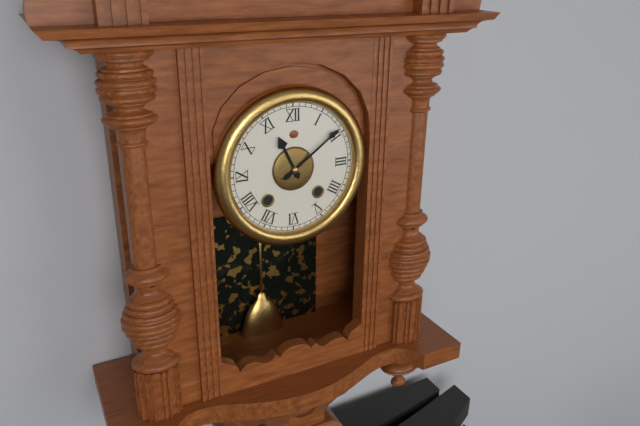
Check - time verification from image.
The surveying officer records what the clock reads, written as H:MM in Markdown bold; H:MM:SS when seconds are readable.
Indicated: **11:09**
